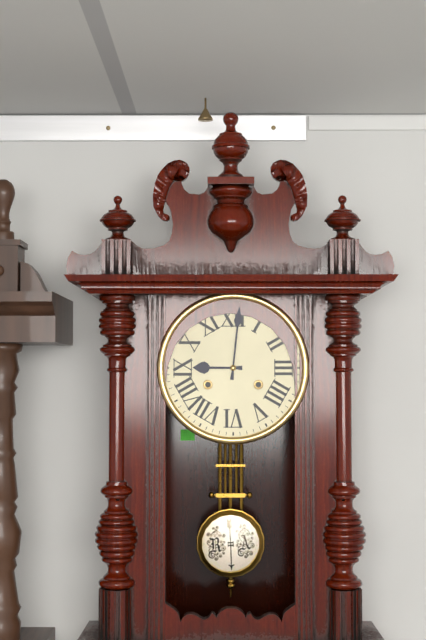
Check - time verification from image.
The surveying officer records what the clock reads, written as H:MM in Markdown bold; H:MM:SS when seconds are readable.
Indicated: **9:01**
